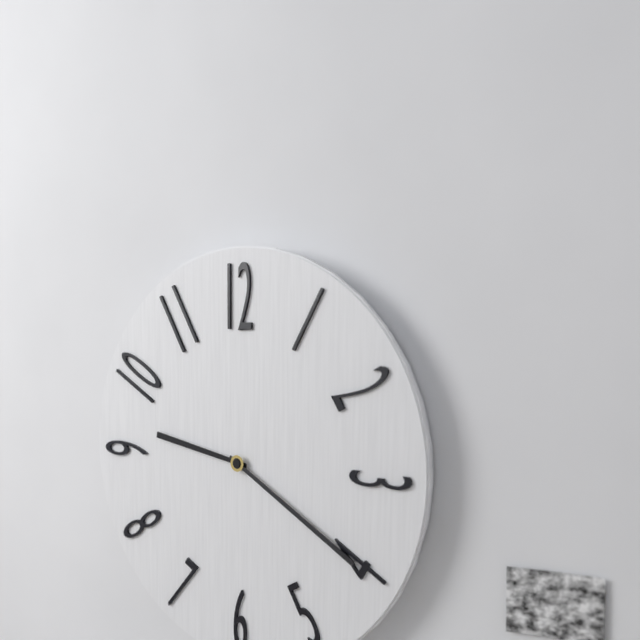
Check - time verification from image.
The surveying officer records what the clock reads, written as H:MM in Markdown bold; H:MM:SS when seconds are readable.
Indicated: **9:20**
